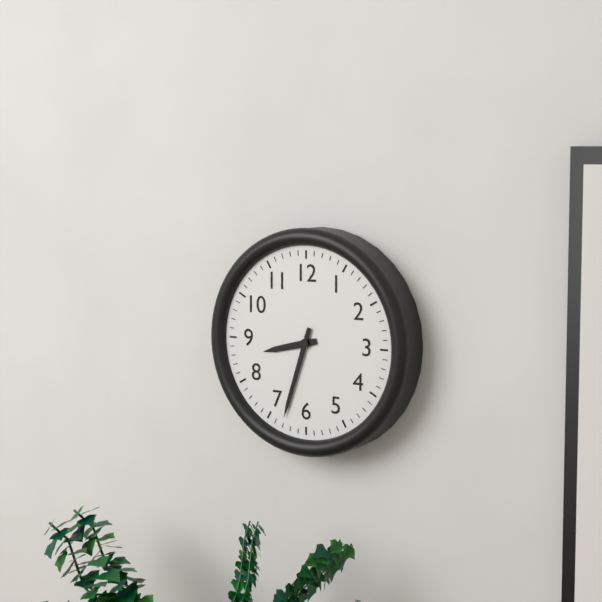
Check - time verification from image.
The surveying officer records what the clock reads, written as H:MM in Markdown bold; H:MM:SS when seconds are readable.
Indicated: **8:33**
